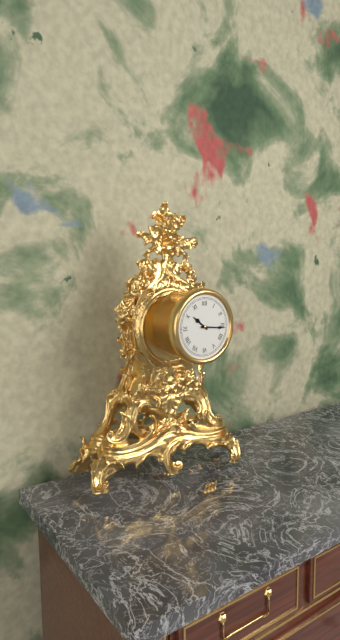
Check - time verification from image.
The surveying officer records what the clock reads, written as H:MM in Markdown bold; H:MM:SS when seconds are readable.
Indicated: **10:16**
